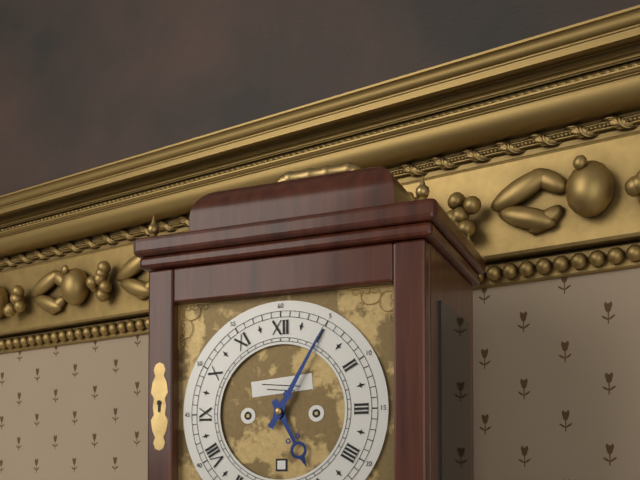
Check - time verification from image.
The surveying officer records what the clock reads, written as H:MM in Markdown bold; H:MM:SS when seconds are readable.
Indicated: **5:05**
